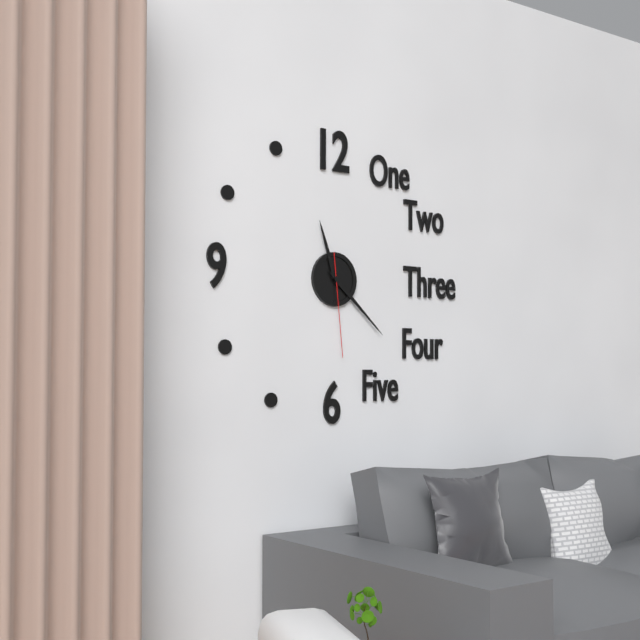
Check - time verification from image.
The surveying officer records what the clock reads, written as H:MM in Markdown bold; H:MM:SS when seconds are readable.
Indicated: **11:22:29**
